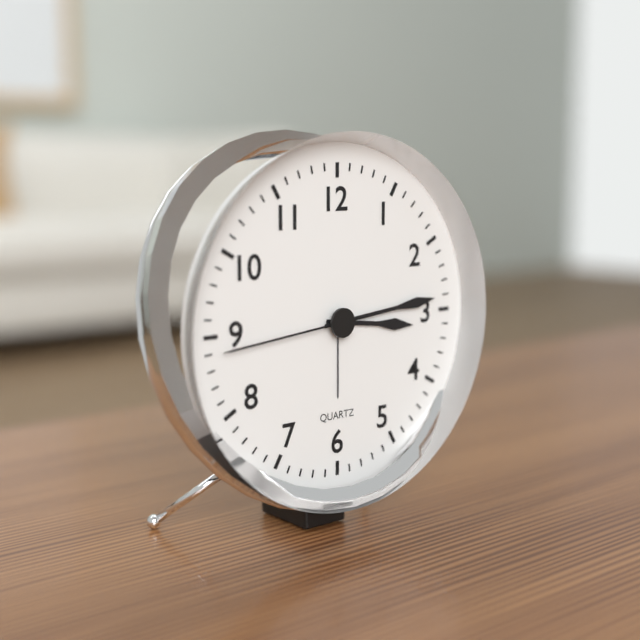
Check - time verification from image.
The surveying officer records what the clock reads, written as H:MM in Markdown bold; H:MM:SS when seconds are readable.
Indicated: **3:14:44**
